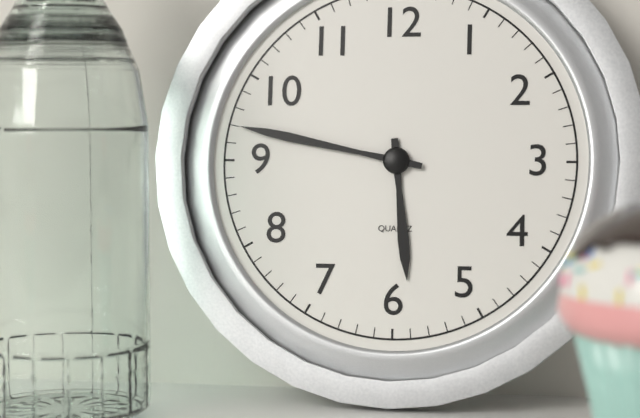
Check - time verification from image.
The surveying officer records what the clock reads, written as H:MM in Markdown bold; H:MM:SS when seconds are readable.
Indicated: **5:47**
